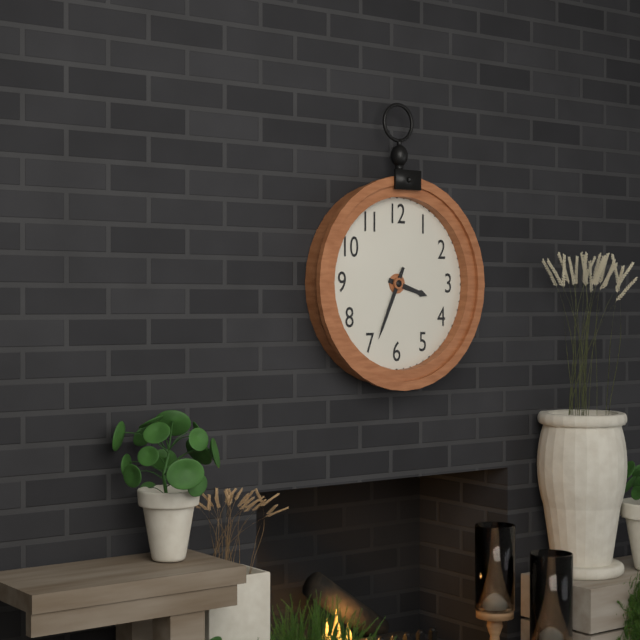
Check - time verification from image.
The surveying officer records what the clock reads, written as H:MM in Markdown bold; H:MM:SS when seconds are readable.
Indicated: **3:34**
